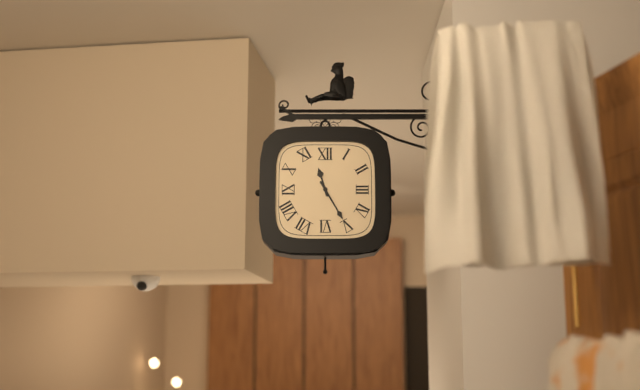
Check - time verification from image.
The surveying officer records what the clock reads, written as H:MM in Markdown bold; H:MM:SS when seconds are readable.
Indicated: **11:25**
